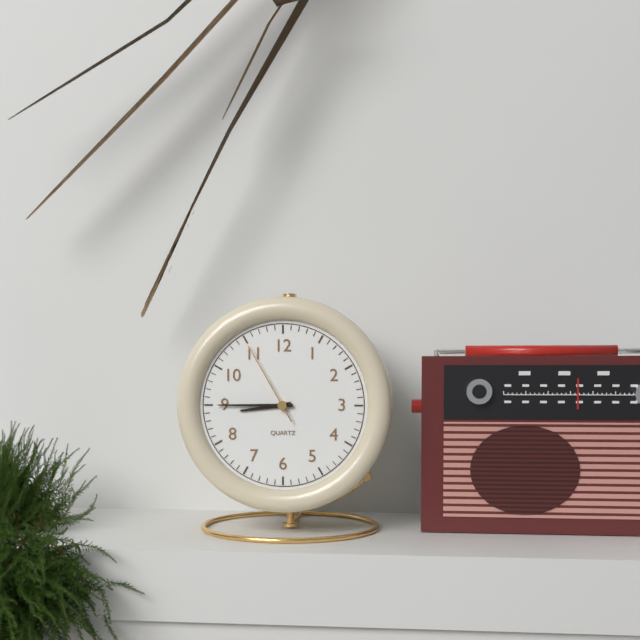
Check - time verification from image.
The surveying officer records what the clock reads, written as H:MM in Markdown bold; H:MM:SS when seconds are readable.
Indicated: **8:45:55**
